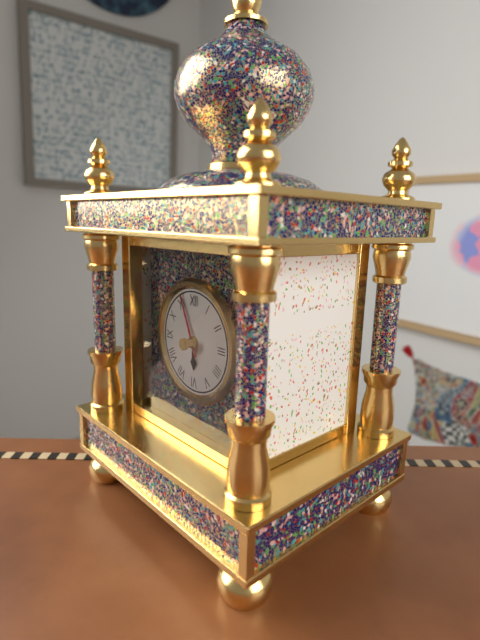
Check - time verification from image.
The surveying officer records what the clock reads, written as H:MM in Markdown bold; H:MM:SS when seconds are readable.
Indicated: **5:56**
